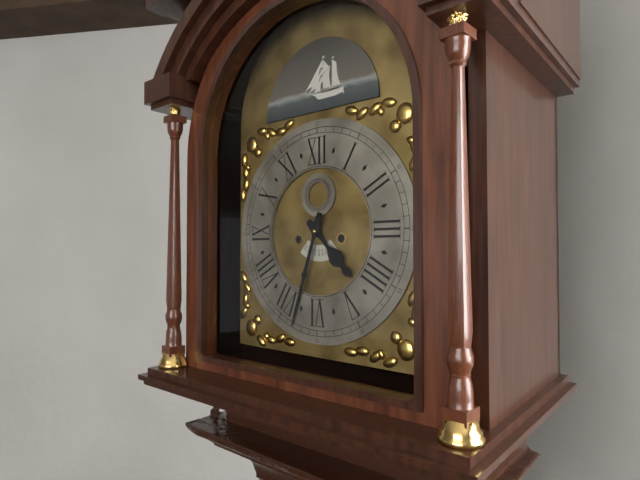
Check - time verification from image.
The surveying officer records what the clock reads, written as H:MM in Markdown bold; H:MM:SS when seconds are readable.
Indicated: **4:33**
